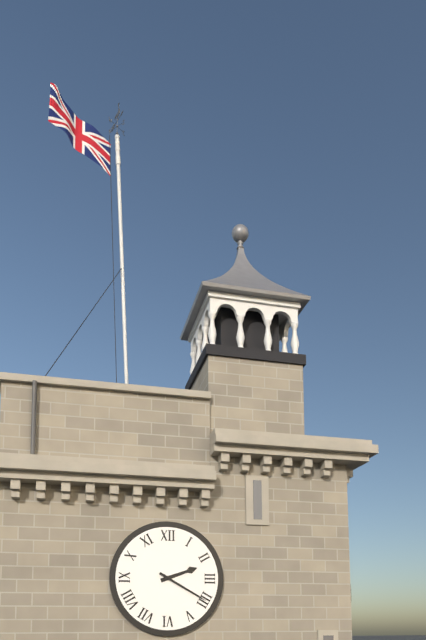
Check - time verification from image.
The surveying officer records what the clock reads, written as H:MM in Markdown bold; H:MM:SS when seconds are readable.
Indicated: **2:20**
